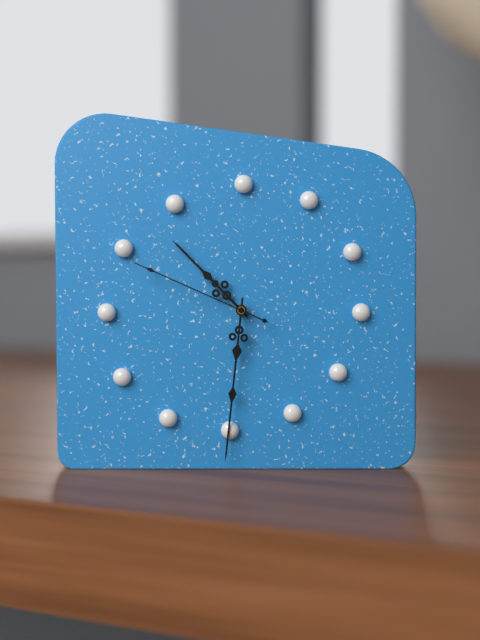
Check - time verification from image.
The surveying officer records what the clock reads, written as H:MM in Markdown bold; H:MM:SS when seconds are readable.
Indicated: **10:31:49**
